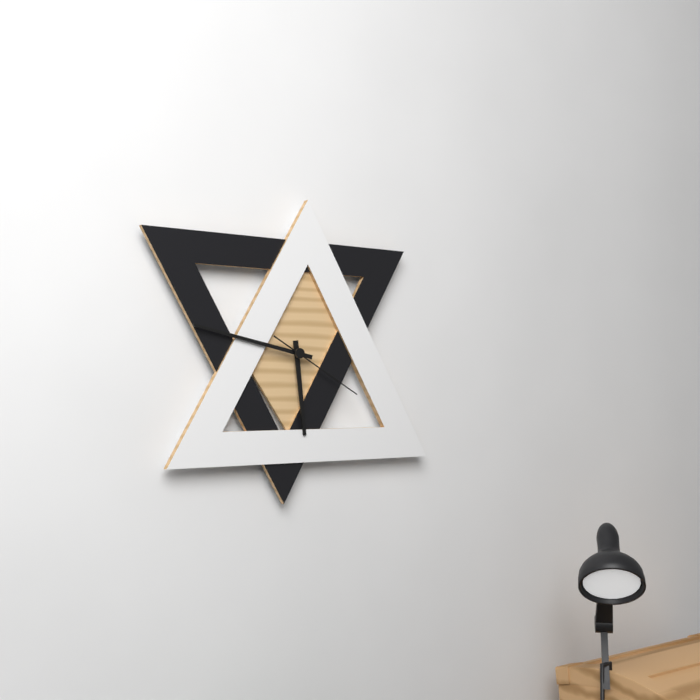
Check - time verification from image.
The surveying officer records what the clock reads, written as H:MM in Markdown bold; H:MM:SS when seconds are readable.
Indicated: **5:47:20**
